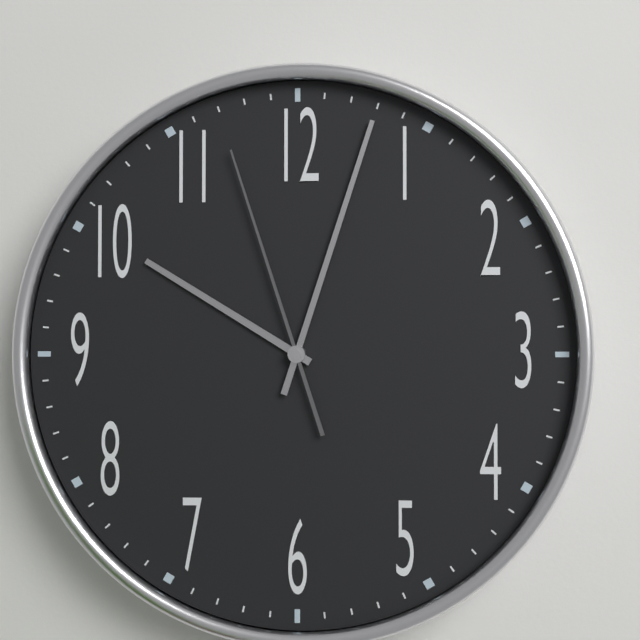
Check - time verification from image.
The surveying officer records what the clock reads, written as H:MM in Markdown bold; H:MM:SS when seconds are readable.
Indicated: **10:03:57**
